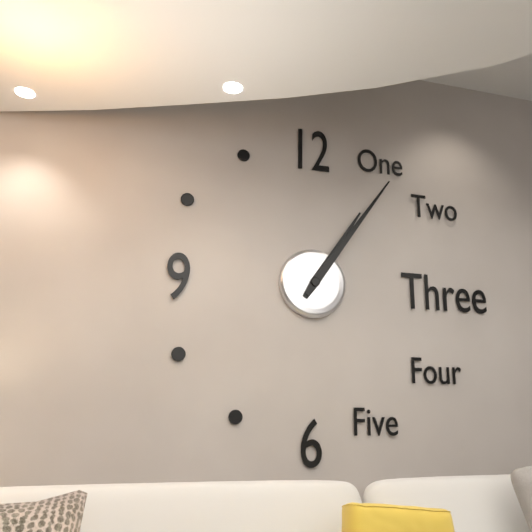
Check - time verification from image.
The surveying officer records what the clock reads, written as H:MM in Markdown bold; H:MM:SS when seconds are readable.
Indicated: **1:06**
